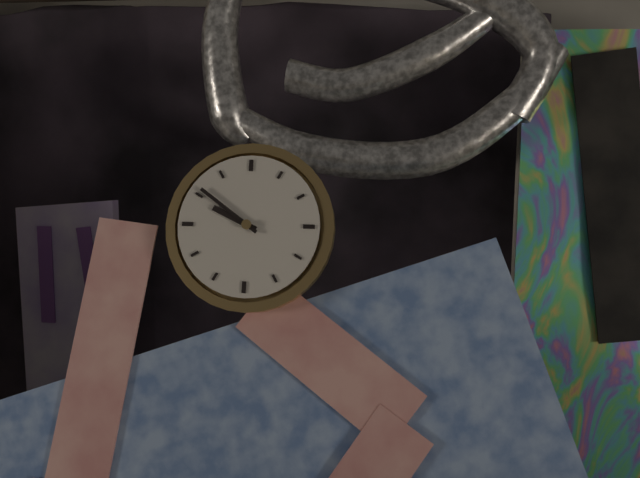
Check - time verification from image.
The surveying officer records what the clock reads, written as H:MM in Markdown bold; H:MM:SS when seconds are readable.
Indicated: **9:51**
